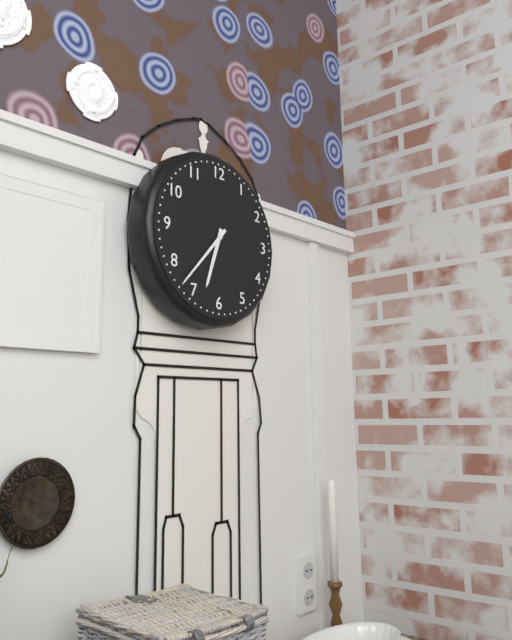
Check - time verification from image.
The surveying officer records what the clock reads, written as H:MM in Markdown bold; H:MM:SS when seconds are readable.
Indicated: **6:37**
